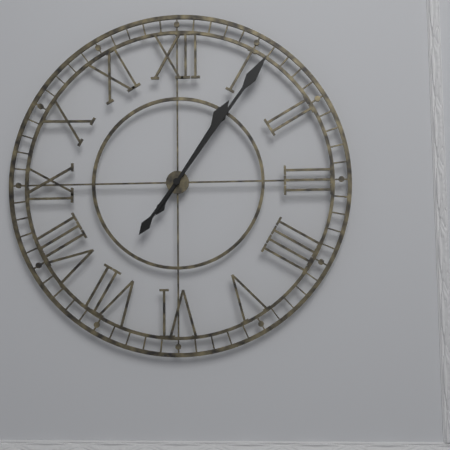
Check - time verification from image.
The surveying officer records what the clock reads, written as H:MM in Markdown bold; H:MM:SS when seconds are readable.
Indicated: **1:06**
